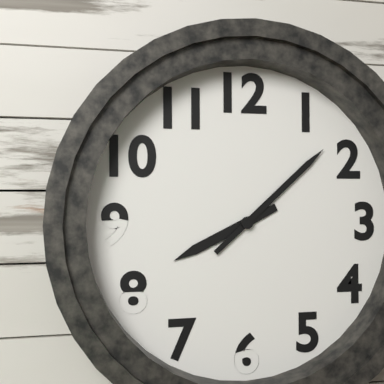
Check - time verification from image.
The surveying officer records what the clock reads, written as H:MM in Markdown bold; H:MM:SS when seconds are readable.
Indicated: **8:08**
